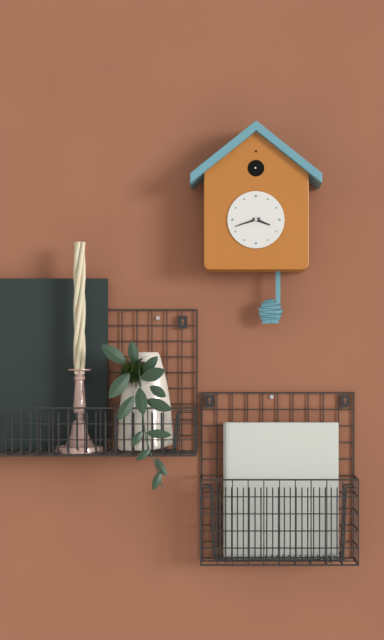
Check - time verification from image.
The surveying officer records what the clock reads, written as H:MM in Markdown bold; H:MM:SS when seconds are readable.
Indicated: **3:42**
